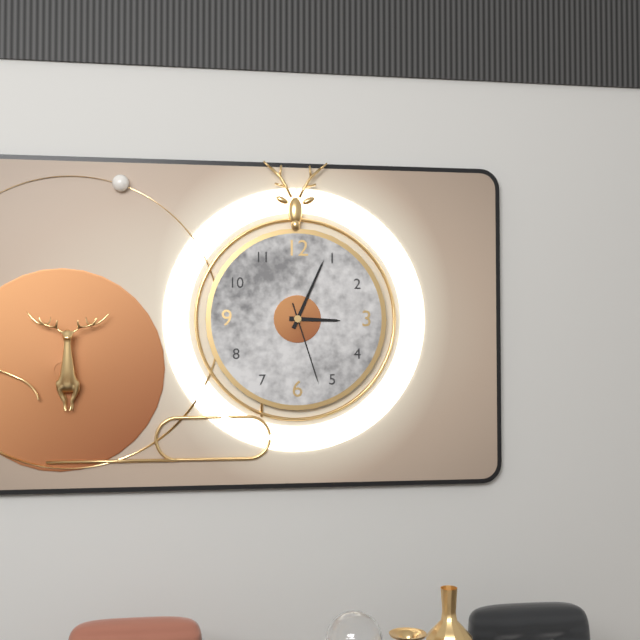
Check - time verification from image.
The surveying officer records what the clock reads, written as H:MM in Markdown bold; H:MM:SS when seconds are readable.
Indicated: **3:04:27**
